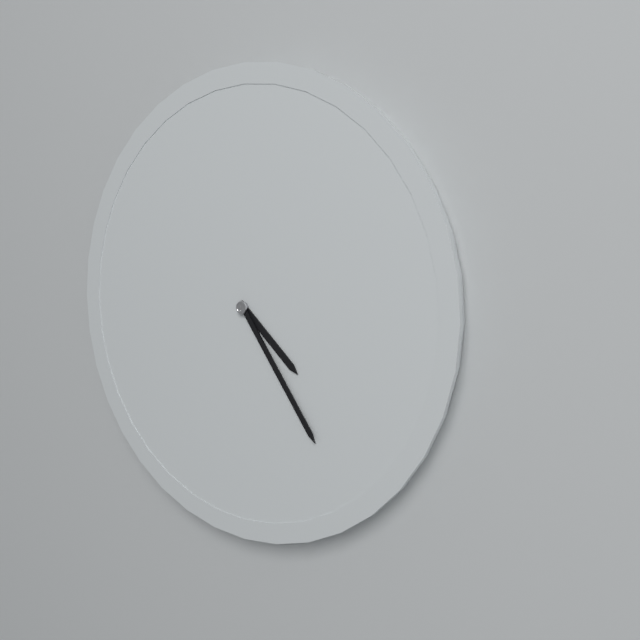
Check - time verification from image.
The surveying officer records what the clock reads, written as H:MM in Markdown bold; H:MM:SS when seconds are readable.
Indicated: **4:24**
